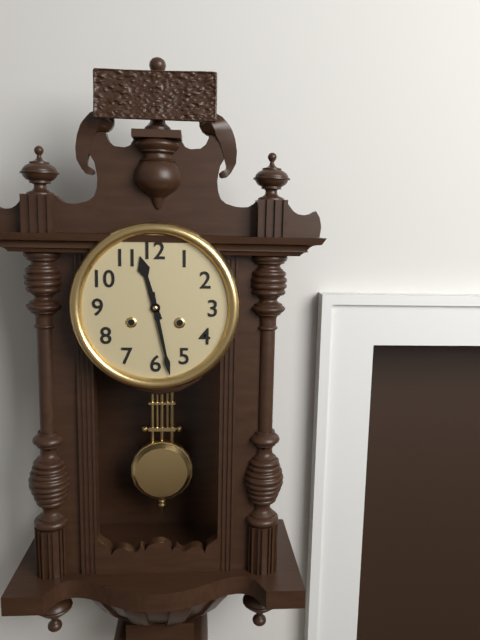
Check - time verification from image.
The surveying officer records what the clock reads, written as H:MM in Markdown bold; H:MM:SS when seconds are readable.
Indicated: **11:28**
